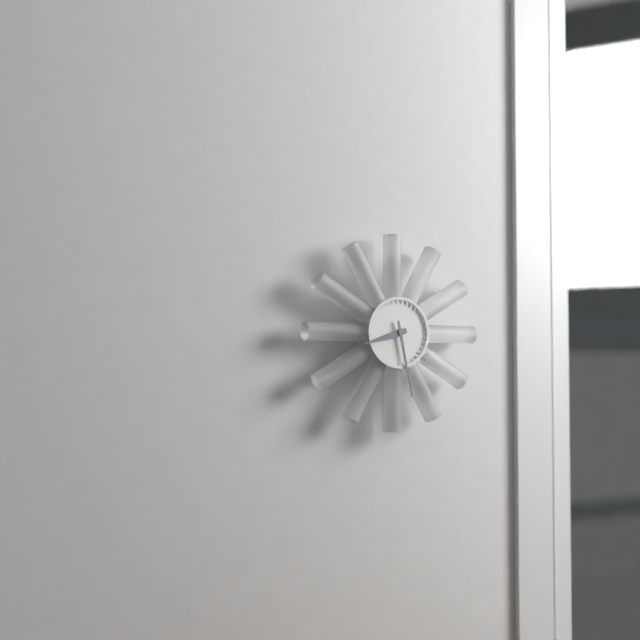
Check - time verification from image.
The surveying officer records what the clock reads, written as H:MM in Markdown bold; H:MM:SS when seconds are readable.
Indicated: **8:28**
